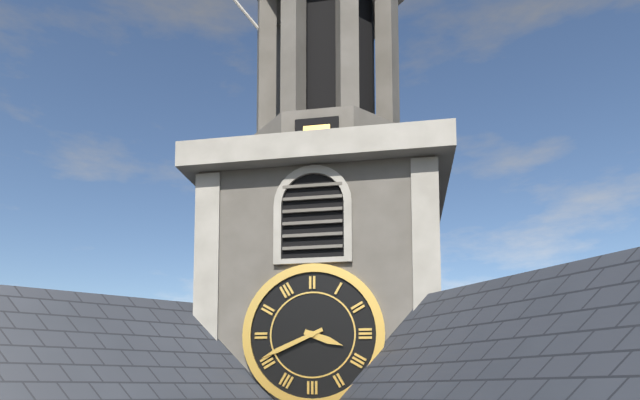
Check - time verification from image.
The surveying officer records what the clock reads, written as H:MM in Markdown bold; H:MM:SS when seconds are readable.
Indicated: **3:41**
